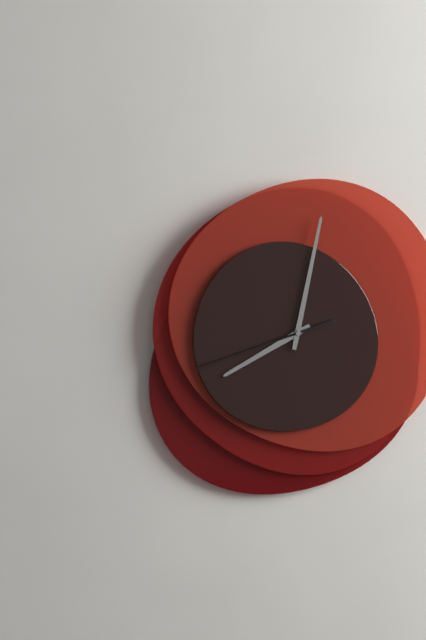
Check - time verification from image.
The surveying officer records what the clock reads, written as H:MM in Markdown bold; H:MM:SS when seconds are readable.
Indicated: **8:02:42**
